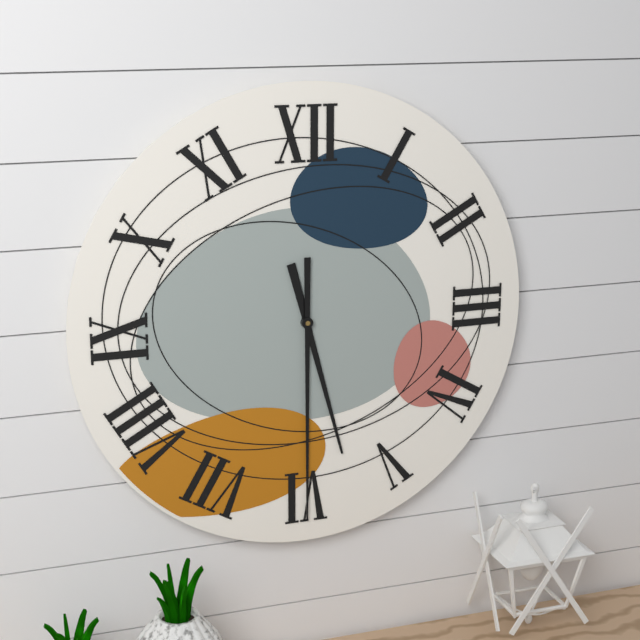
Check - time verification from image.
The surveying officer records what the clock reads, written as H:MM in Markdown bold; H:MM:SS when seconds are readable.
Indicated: **5:30**
